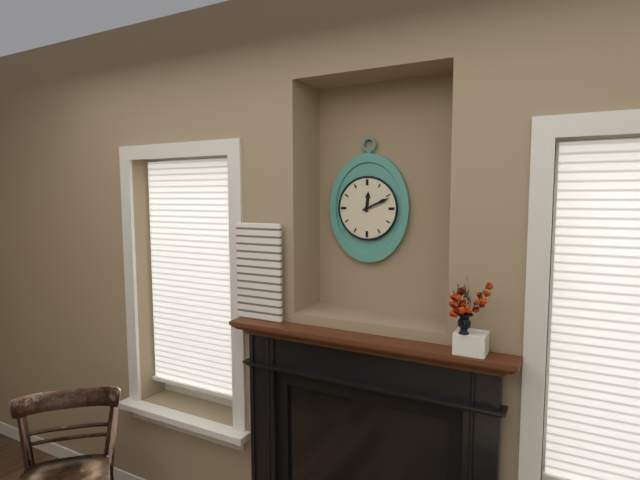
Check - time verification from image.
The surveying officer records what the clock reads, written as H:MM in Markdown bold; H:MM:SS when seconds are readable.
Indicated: **12:11**
